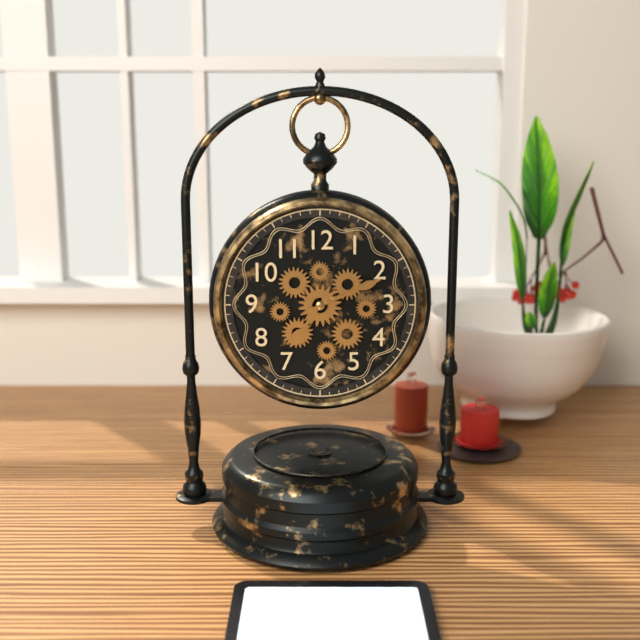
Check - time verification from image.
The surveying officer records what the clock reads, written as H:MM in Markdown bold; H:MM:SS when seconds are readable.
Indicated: **7:11**
